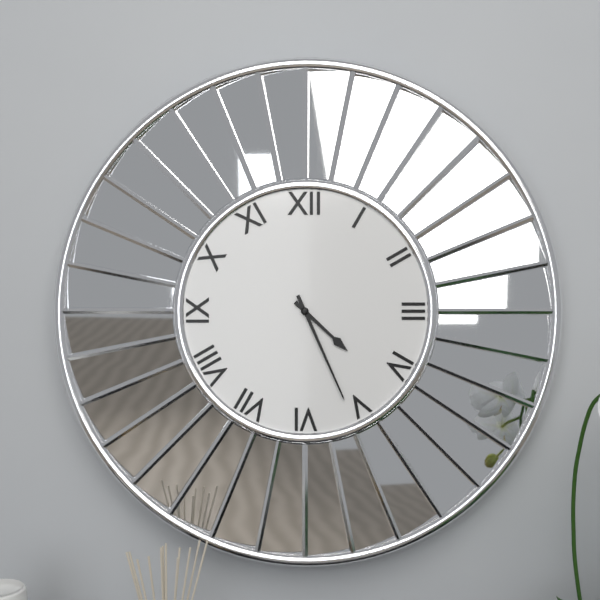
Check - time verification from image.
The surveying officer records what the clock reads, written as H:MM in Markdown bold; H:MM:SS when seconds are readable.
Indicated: **4:26**
